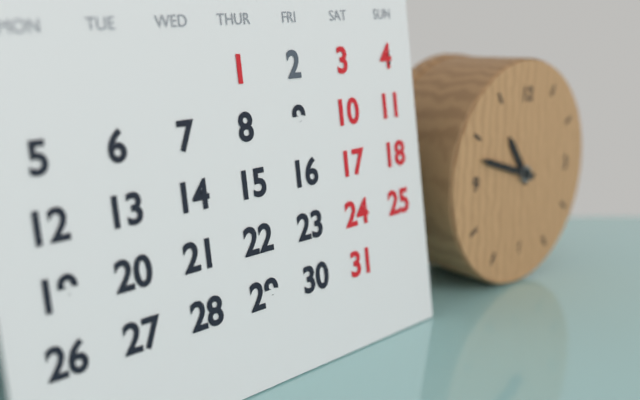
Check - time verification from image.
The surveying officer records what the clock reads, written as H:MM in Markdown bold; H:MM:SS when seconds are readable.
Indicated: **10:48**
